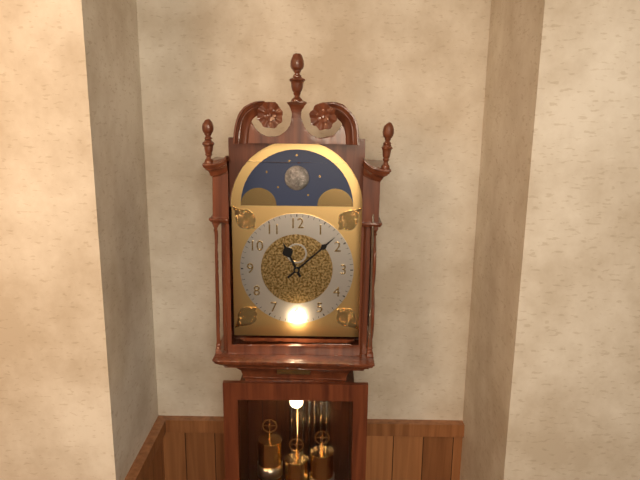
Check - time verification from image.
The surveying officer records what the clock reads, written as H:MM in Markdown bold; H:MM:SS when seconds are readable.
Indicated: **11:08**
